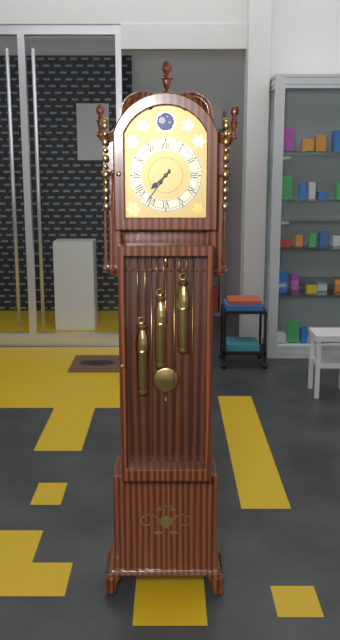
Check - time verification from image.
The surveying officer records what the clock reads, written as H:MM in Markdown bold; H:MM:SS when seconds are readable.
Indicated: **7:36**
